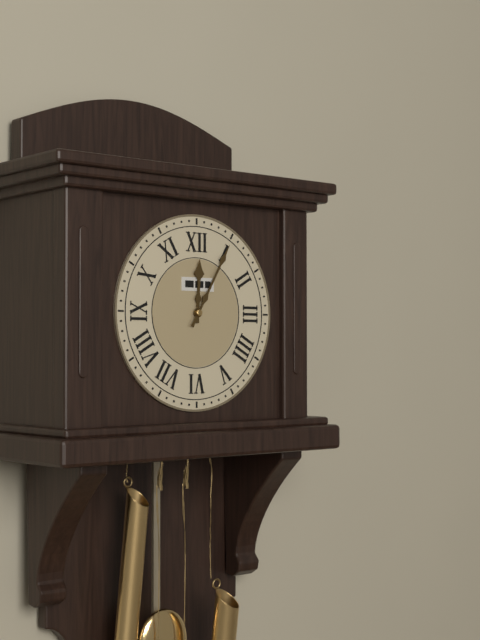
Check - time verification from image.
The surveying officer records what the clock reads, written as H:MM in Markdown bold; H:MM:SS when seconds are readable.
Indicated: **12:05**
